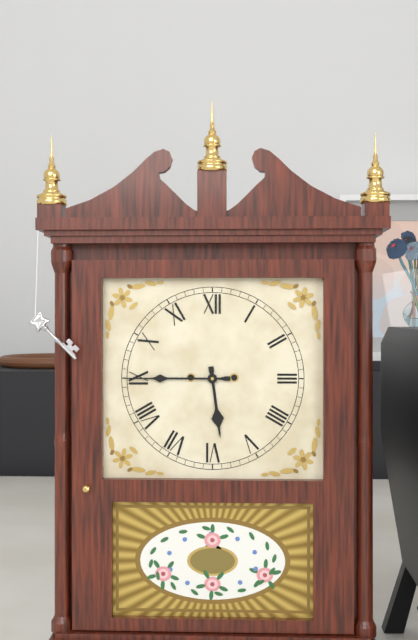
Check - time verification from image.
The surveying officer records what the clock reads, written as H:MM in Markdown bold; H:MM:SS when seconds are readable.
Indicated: **5:45**
